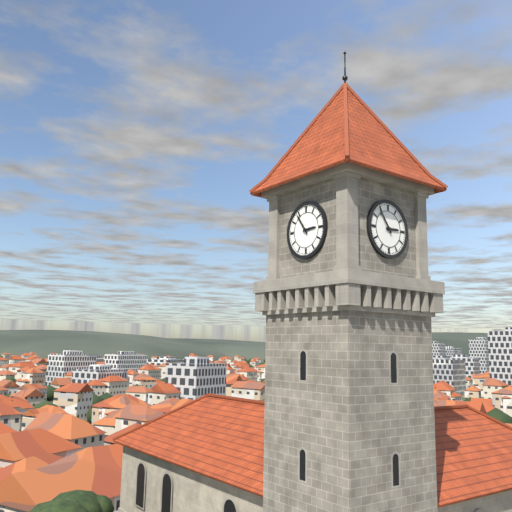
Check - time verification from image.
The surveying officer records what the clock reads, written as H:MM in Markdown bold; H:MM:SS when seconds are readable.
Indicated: **2:54**
